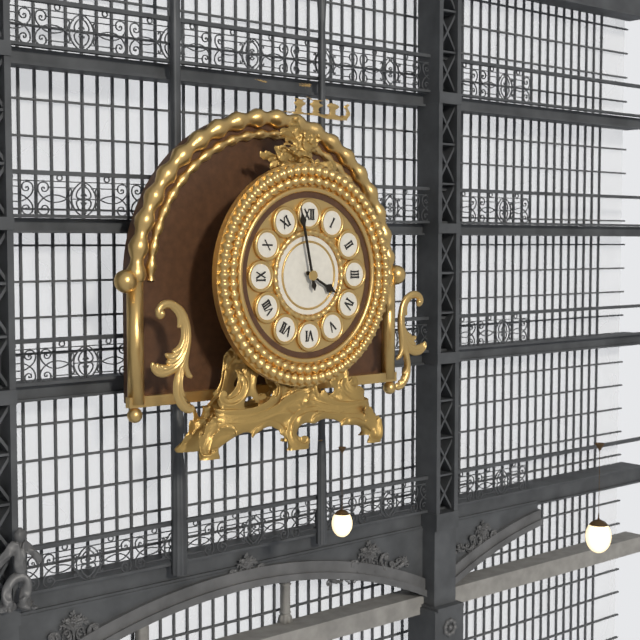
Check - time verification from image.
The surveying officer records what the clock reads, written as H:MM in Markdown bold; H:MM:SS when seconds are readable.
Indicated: **3:58**
